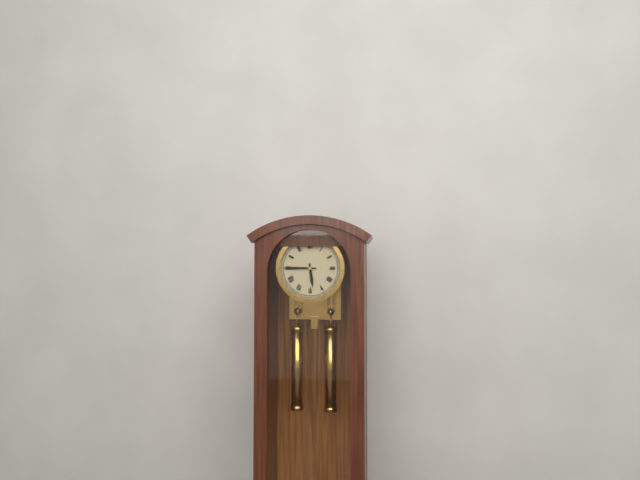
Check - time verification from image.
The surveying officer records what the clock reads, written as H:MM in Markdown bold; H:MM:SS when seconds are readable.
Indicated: **5:45**
